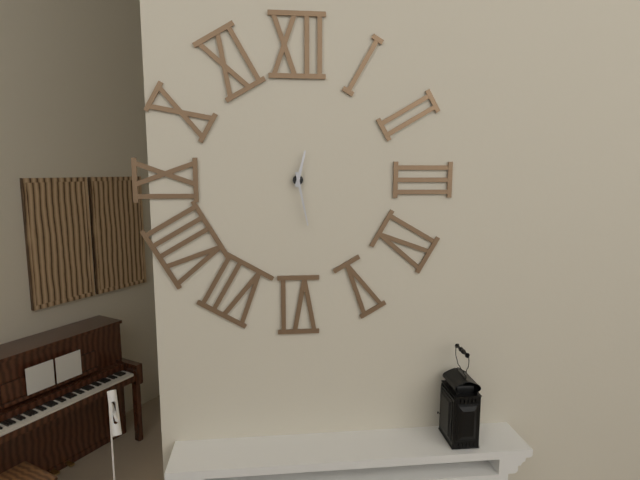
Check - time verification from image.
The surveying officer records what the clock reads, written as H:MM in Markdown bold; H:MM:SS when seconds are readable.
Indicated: **12:28**
